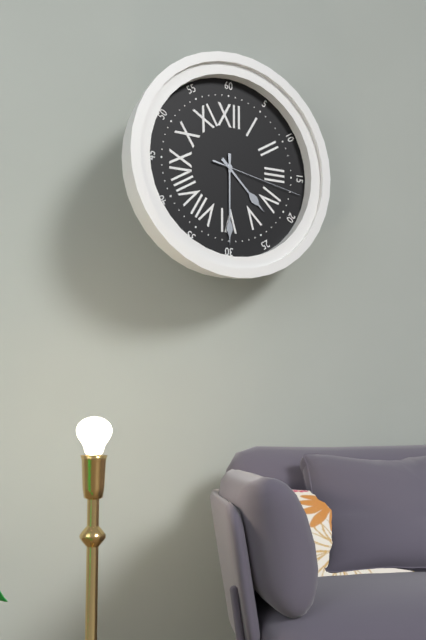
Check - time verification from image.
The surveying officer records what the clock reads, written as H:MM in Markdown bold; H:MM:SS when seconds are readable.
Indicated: **4:30:17**
